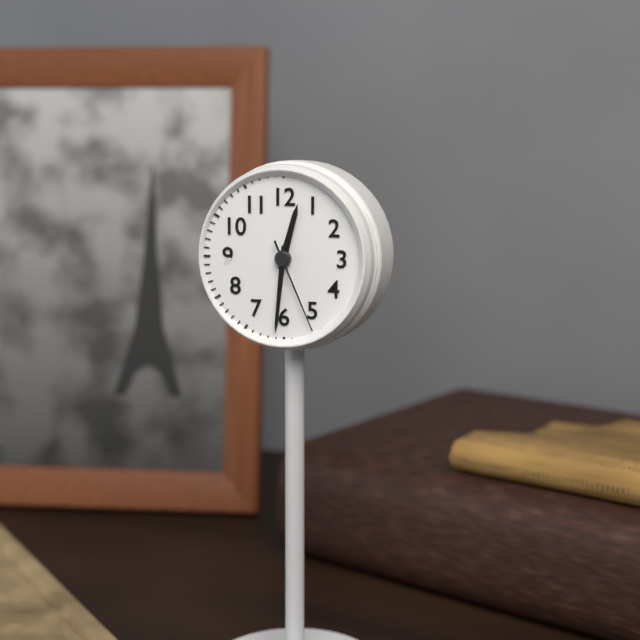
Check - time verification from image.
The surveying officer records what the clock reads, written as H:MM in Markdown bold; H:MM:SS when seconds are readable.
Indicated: **12:31:26**
